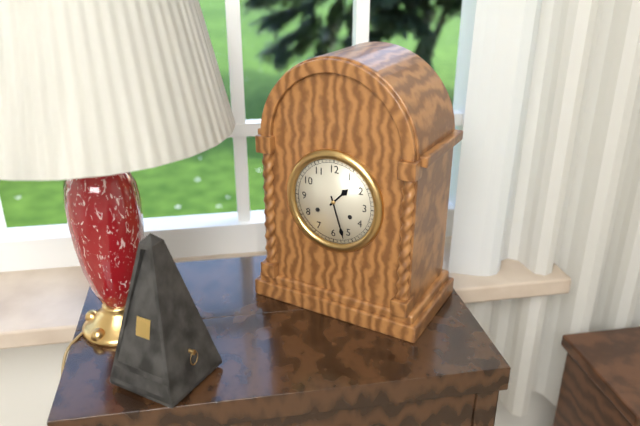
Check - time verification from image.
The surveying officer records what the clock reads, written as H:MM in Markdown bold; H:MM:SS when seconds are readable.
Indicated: **1:27**
